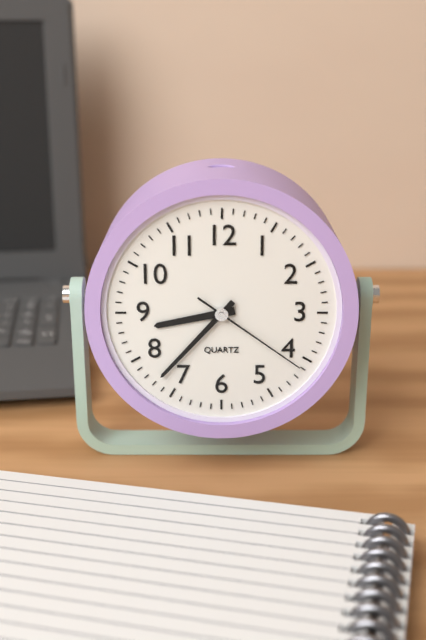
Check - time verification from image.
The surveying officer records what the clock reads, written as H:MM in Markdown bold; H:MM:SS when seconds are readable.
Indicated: **8:37:21**
